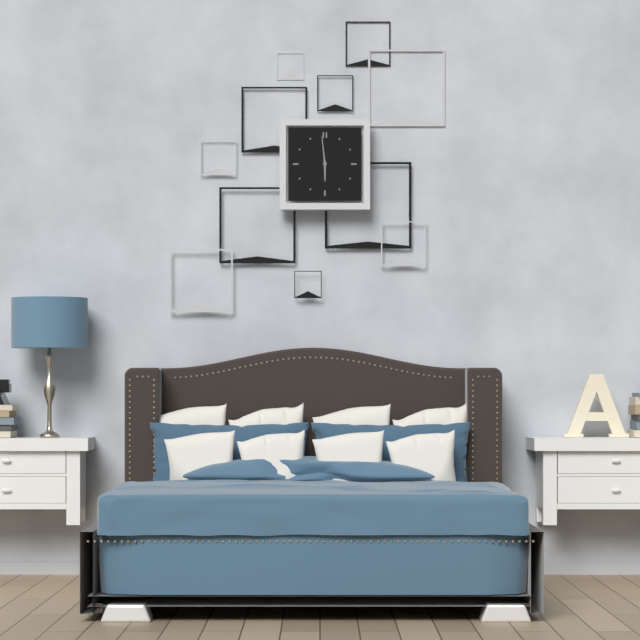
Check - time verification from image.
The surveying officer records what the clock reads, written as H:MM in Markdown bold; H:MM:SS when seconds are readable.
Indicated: **5:59**
